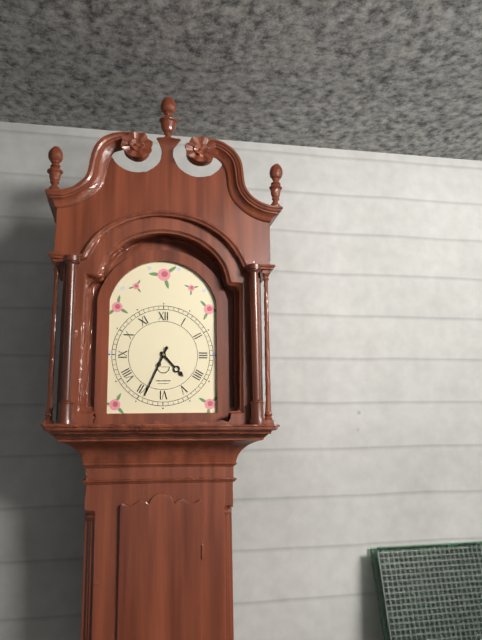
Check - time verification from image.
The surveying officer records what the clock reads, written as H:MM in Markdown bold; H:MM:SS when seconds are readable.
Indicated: **4:34**
